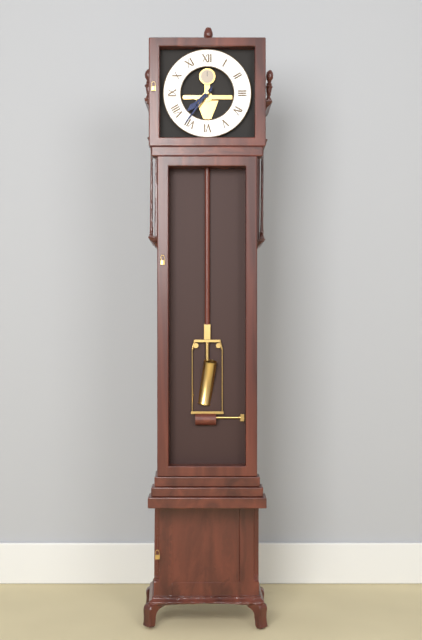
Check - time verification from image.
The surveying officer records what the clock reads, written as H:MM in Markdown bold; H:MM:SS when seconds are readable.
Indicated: **7:36**
